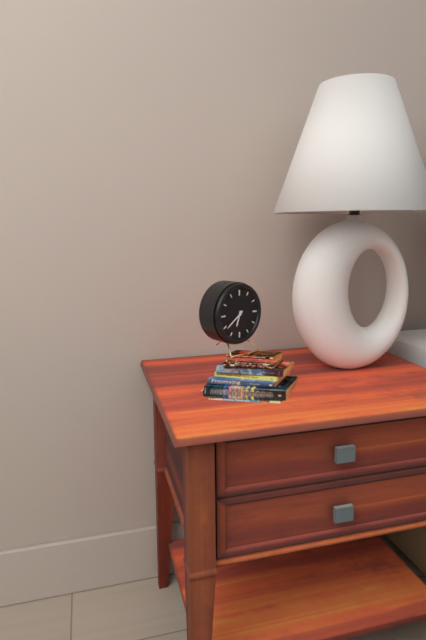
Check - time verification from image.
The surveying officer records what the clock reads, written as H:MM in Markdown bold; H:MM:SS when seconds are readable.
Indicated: **6:39**
